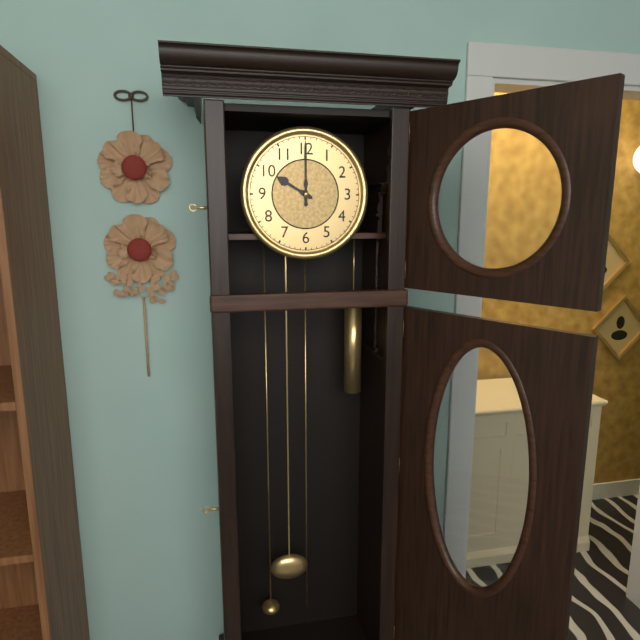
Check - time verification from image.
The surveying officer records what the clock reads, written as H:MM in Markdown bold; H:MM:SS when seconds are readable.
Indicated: **10:00**
